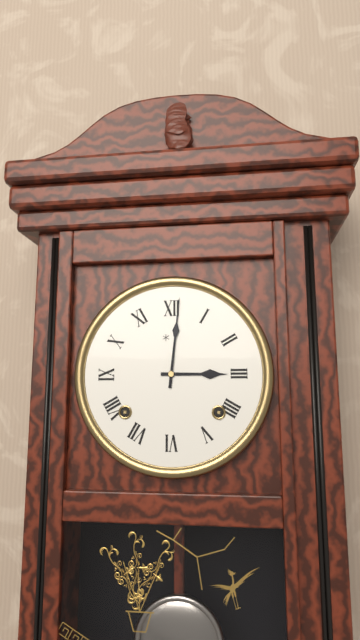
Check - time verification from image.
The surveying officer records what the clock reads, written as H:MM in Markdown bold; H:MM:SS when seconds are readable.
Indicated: **3:01**
